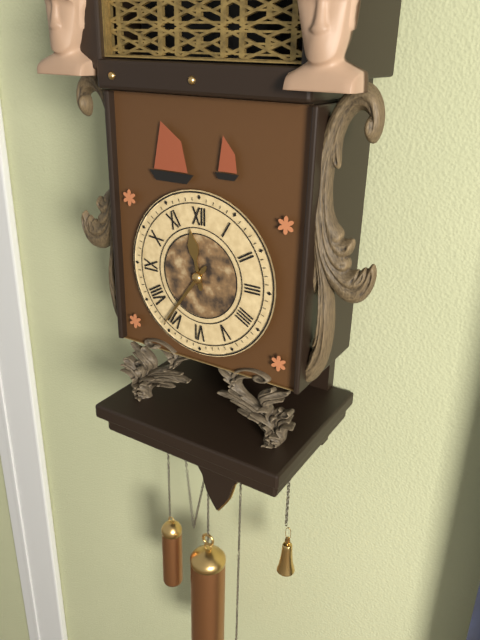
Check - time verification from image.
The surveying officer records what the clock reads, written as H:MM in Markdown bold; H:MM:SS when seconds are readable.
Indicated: **11:36**
